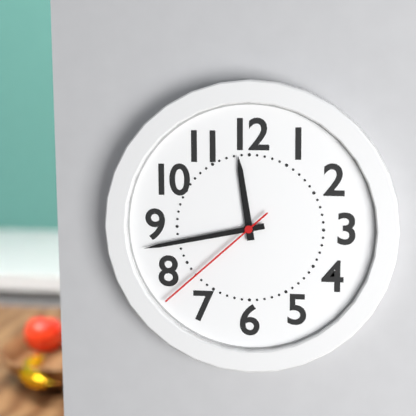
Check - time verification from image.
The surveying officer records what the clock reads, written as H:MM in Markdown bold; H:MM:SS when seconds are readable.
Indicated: **11:43:38**
